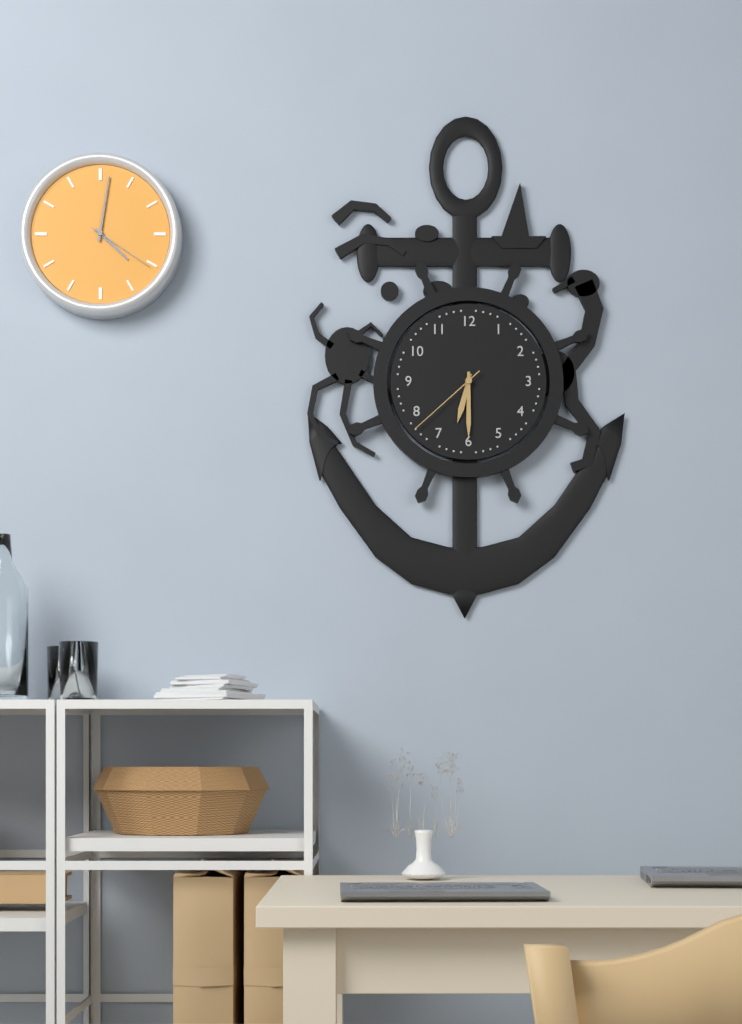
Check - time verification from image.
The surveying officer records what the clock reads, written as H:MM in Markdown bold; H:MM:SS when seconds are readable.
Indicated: **6:30:38**
